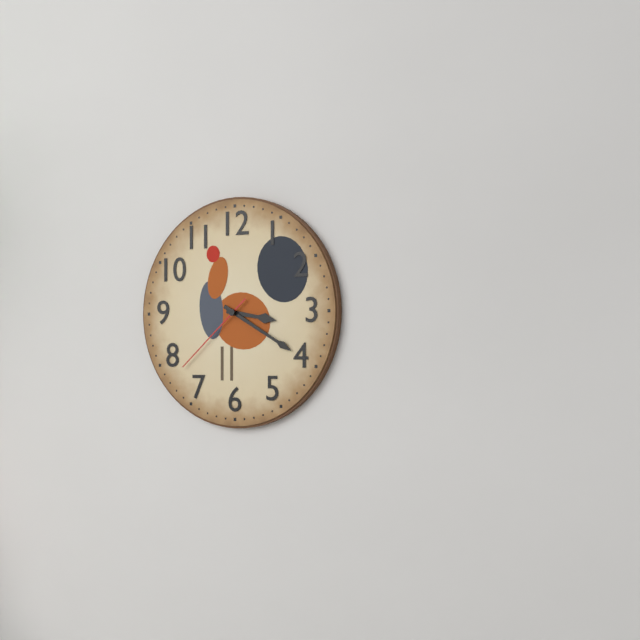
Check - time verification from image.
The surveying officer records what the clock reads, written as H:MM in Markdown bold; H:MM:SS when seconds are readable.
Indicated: **3:20:38**
